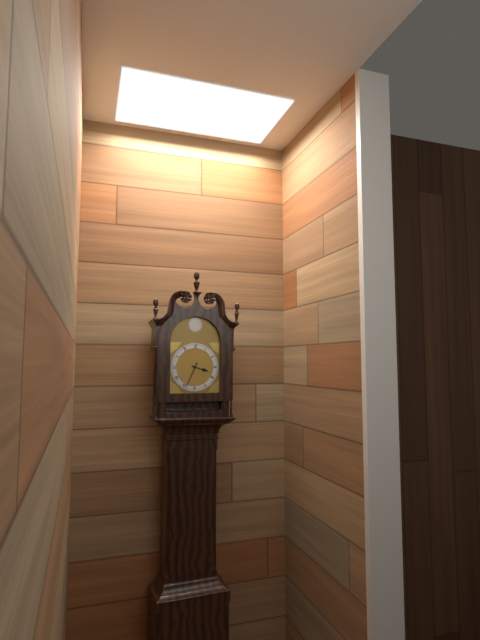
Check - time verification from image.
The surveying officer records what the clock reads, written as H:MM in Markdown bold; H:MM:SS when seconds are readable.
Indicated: **3:34**
